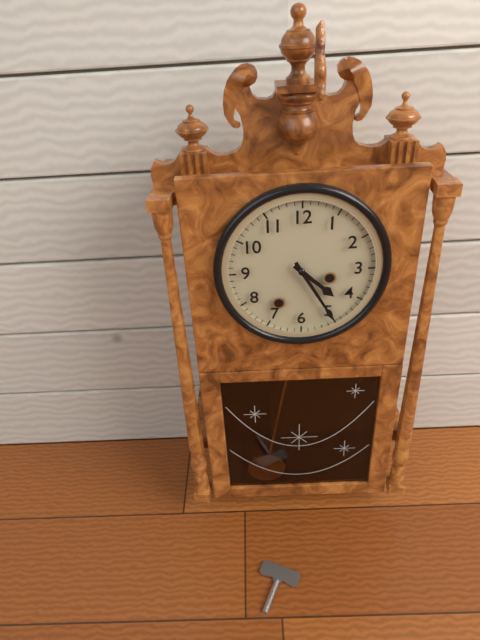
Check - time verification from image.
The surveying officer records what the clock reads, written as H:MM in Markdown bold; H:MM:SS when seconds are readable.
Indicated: **4:25**
